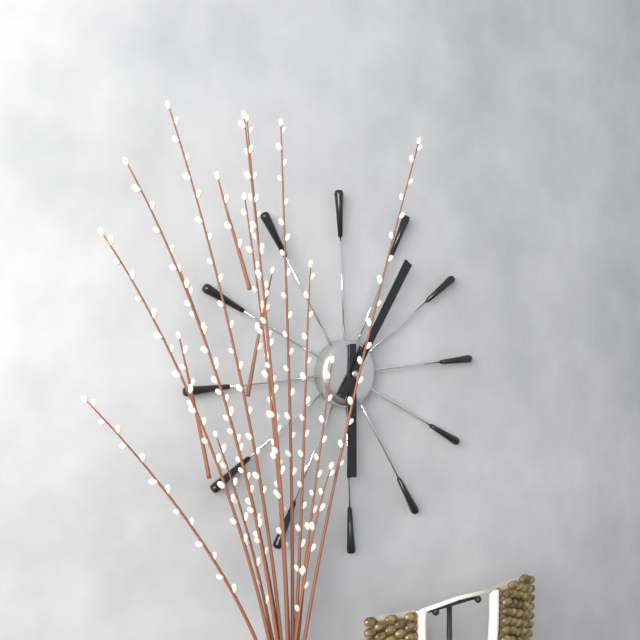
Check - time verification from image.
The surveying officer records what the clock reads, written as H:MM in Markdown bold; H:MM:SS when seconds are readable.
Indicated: **6:06**
